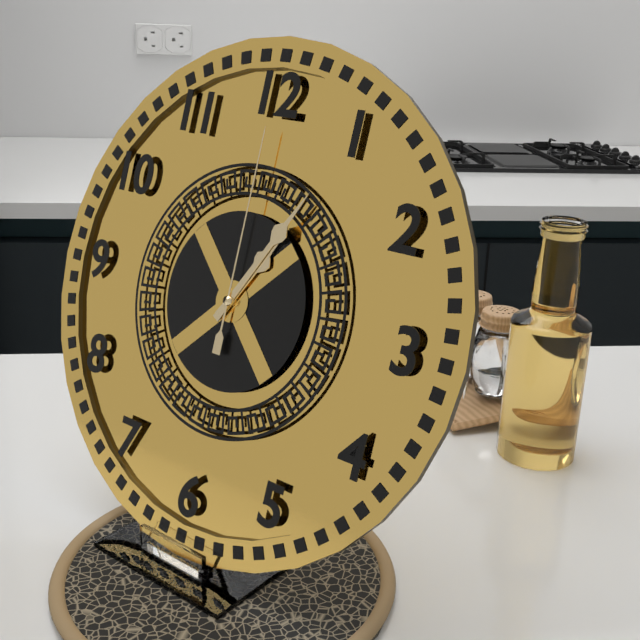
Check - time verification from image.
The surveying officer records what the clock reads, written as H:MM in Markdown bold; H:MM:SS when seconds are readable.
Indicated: **1:05:00**
